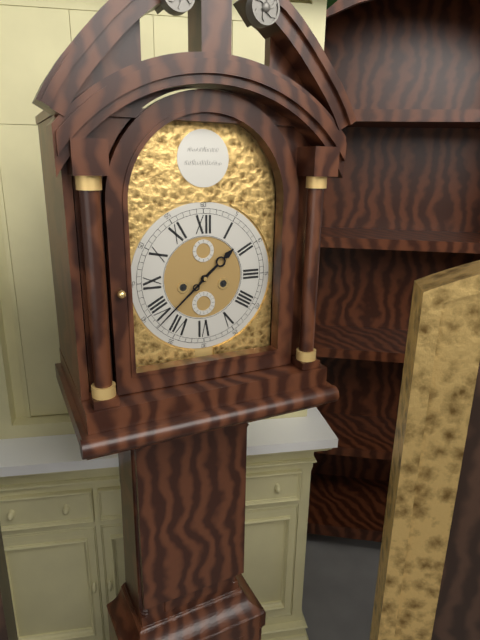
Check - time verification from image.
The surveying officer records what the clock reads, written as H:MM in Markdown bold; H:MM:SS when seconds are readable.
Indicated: **1:38**
